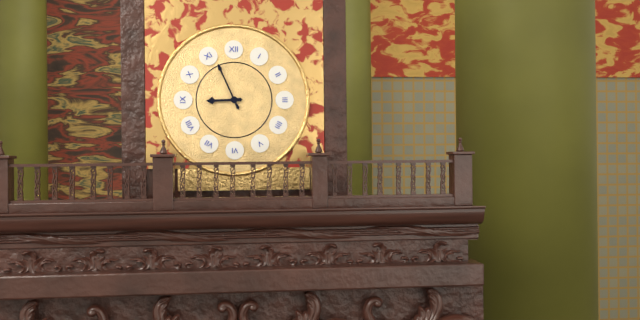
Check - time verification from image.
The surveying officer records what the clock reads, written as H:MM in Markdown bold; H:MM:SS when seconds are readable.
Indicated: **8:56**
